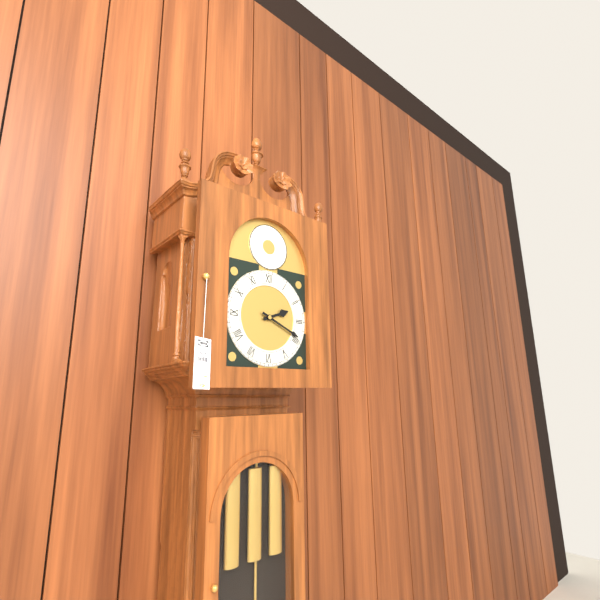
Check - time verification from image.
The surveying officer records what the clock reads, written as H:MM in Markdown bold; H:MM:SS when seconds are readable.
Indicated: **2:19**
